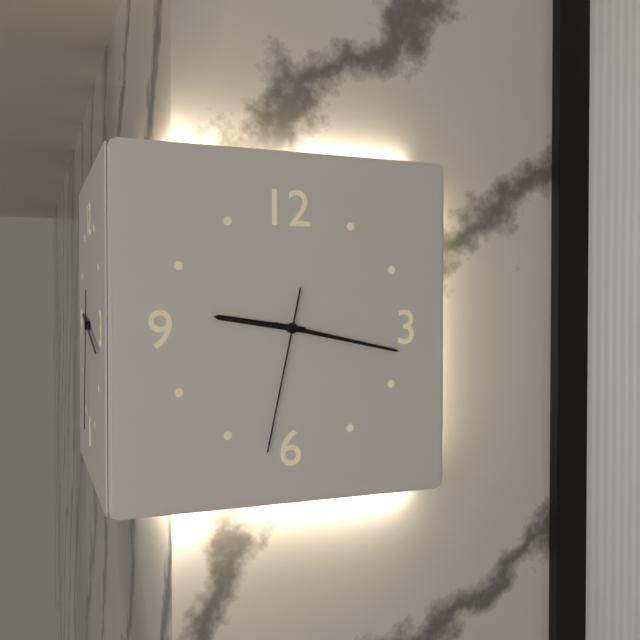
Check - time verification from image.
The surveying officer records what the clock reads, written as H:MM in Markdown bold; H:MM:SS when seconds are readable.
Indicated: **9:17:32**
